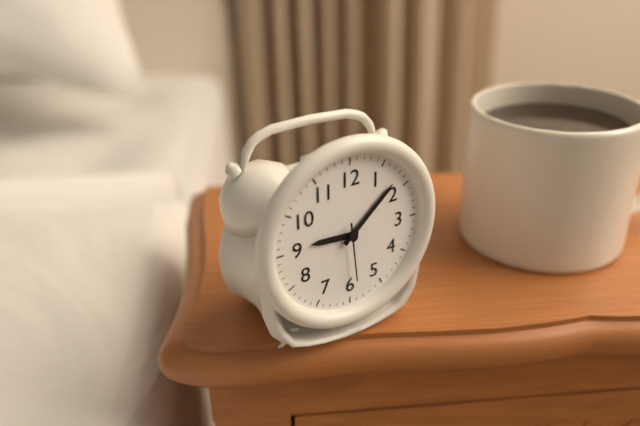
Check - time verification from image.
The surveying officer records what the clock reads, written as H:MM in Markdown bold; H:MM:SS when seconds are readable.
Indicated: **9:08:29**
